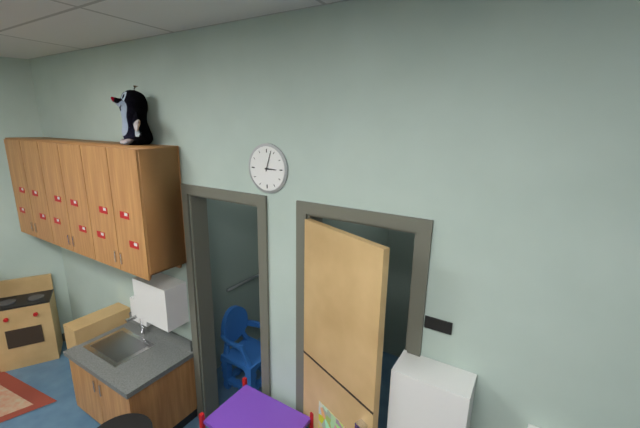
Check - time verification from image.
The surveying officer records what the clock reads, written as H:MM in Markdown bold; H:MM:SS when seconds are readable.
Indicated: **3:03**
